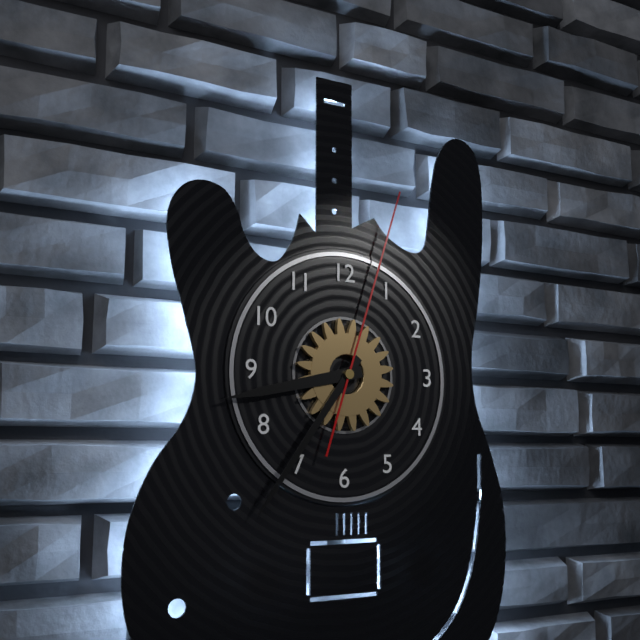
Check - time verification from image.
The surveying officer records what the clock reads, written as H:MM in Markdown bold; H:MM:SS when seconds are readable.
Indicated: **8:36:03**
